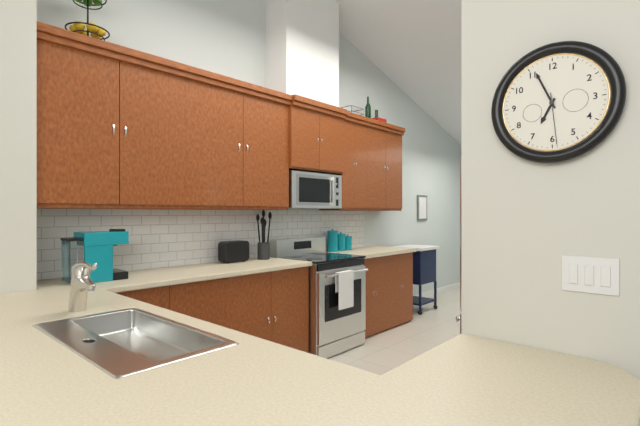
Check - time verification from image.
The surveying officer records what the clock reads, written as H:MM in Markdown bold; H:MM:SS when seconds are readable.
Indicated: **6:56:29**
